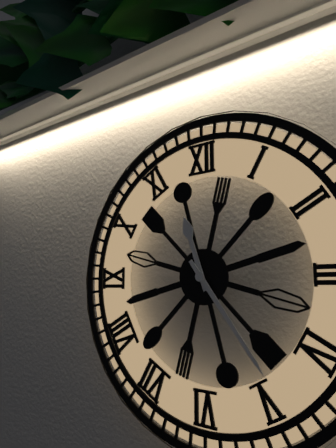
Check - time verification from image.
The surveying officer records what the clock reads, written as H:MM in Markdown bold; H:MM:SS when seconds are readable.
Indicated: **11:24**
